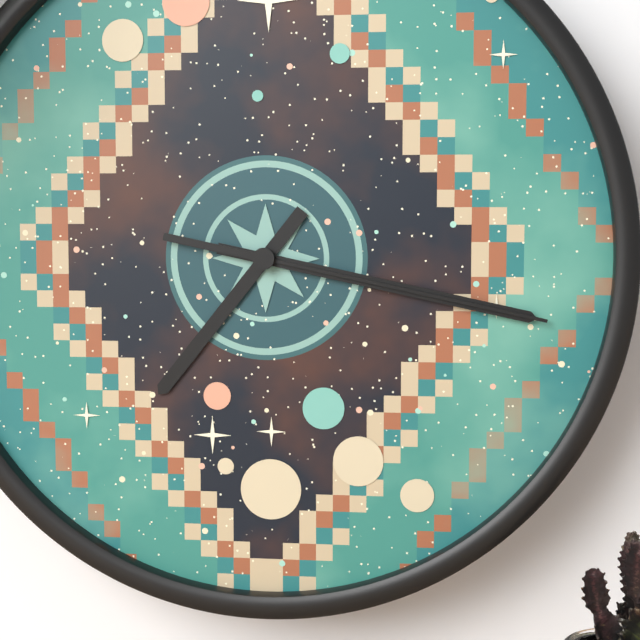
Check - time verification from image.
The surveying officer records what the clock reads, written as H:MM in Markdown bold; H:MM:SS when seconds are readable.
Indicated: **7:17:17**
